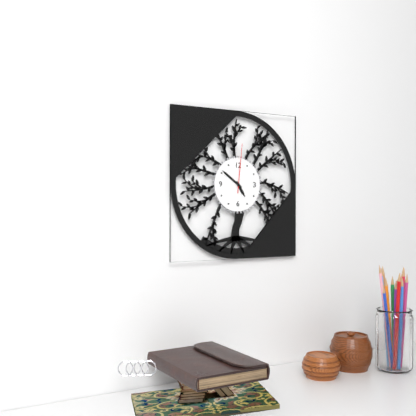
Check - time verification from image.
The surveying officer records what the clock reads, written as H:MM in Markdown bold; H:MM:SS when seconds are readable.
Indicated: **4:51:01**
